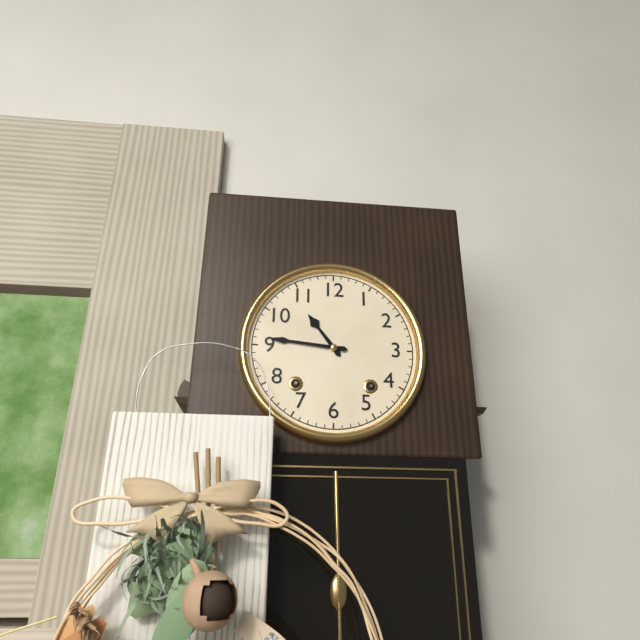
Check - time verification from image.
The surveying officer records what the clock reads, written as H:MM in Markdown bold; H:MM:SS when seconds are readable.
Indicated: **10:46**
